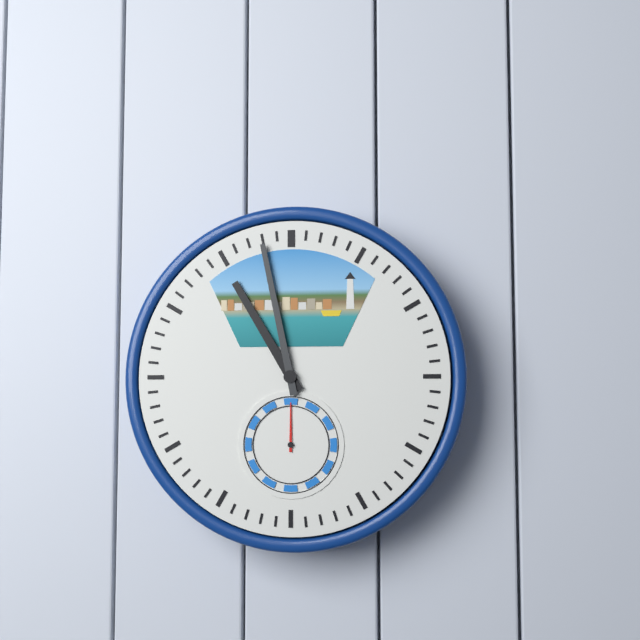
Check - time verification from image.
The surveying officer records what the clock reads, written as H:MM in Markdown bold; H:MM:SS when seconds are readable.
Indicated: **10:58**
